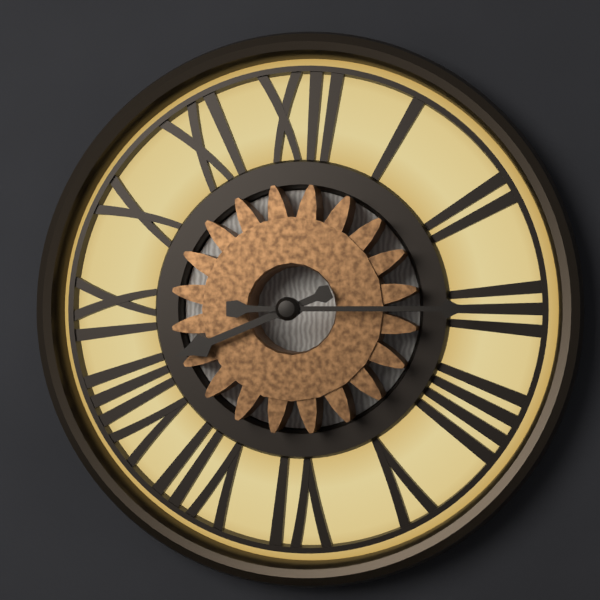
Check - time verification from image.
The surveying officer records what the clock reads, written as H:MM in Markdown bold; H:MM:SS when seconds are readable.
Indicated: **8:15**
